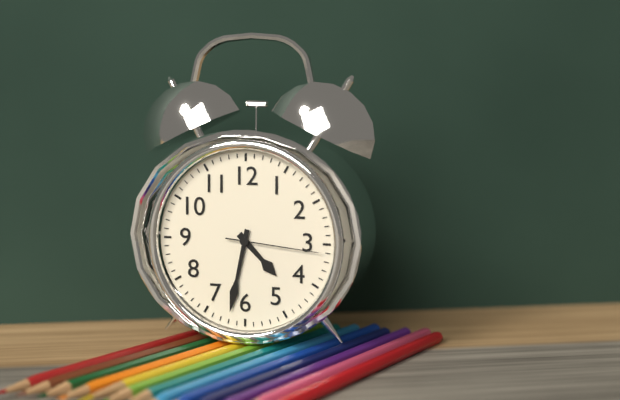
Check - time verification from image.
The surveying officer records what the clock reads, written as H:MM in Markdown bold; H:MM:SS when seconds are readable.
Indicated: **4:32:16**
